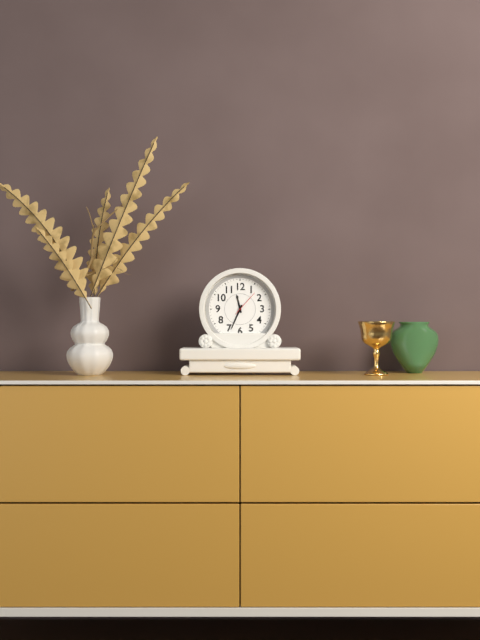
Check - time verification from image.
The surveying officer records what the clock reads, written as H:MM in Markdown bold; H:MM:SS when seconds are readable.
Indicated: **11:34**
